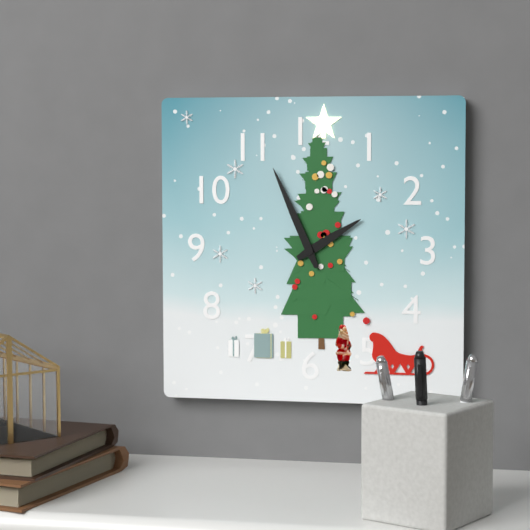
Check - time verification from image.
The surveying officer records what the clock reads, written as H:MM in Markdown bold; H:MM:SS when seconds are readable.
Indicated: **1:56**
